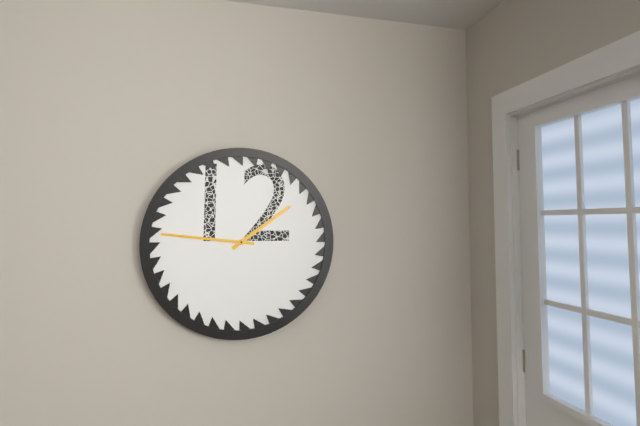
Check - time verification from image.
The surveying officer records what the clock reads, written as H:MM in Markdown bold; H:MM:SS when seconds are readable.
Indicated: **1:46**
